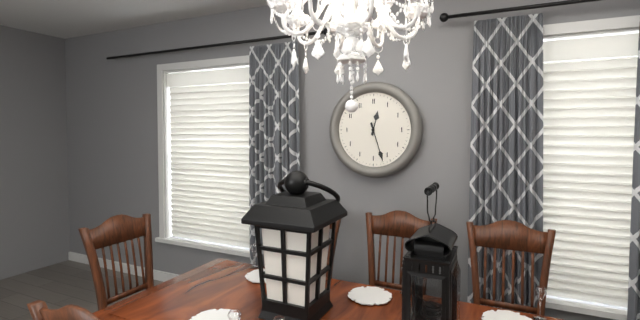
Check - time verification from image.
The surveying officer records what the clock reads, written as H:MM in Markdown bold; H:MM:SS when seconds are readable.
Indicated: **12:27**
